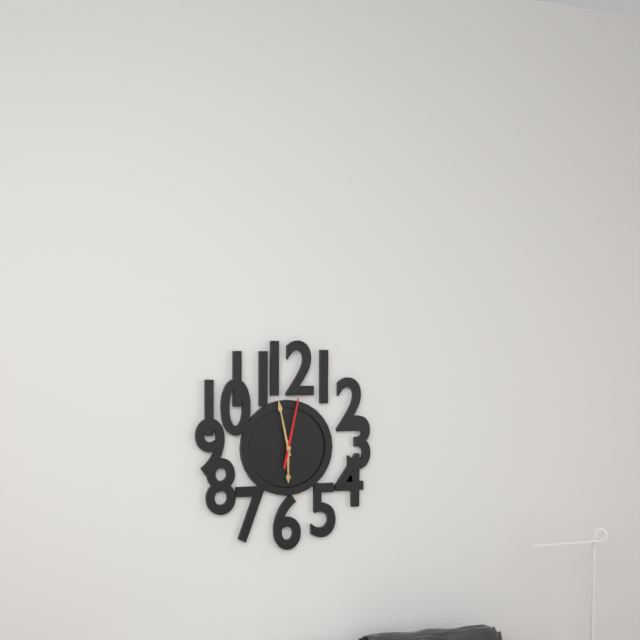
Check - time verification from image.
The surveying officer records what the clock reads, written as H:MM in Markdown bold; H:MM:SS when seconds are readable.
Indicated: **5:58:02**
